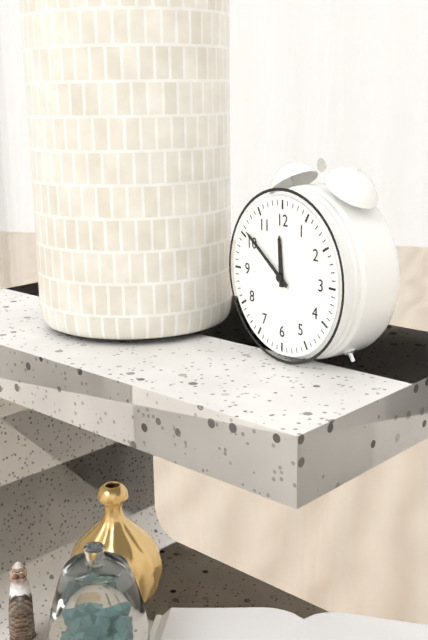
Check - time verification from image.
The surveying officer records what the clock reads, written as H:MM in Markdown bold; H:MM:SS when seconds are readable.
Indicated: **11:51**
